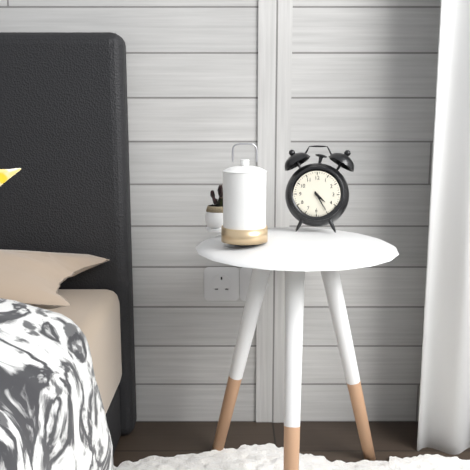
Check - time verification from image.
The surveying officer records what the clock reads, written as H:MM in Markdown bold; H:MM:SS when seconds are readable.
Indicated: **4:25**
